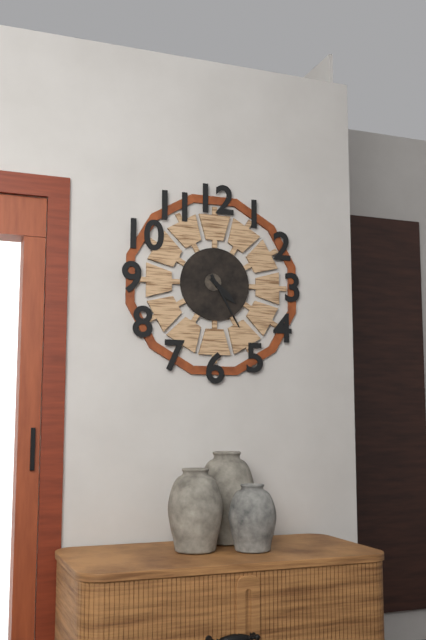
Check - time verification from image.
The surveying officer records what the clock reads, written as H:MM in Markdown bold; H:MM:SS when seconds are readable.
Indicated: **4:25**
